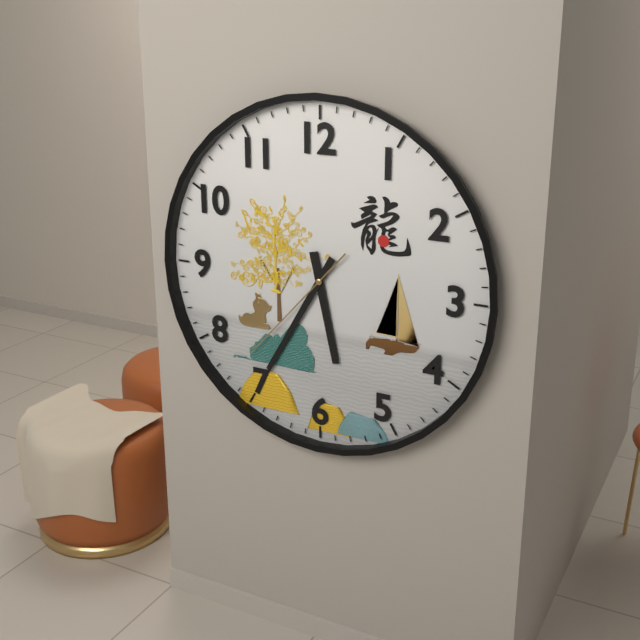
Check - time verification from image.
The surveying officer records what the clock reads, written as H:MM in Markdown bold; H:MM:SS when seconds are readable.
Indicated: **5:35:37**
